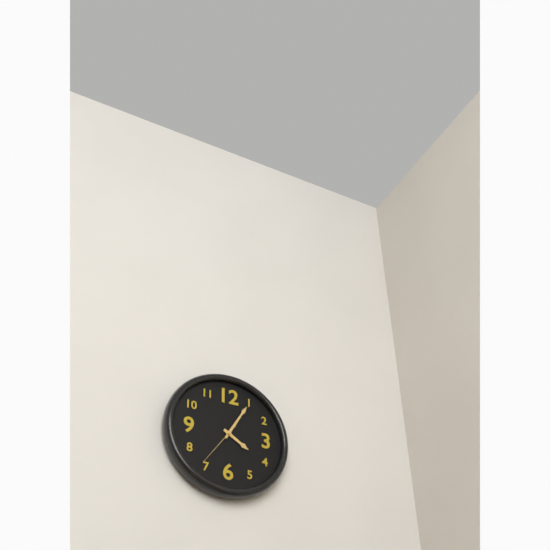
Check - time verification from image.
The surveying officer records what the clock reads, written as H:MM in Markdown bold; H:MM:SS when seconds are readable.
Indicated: **4:05**
